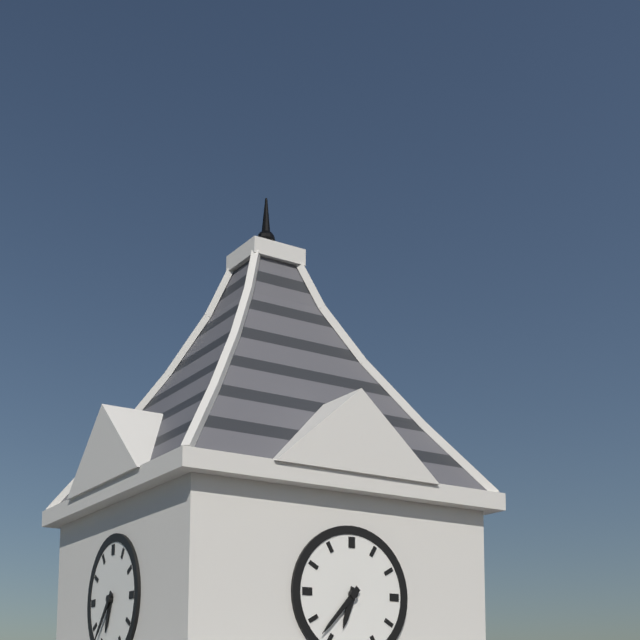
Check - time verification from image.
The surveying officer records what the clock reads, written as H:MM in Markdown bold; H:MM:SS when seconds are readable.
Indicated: **6:37**
